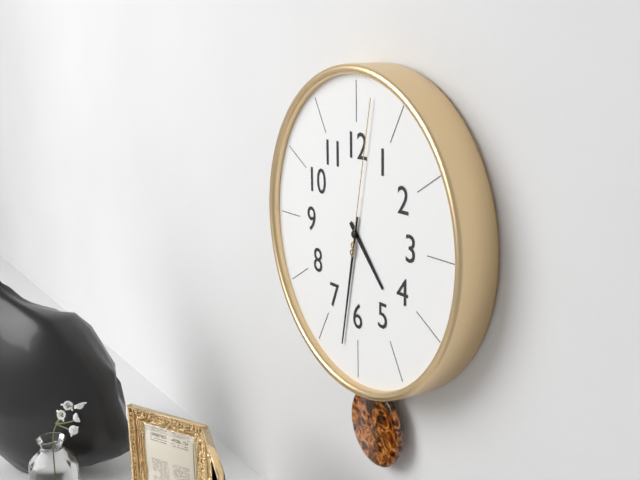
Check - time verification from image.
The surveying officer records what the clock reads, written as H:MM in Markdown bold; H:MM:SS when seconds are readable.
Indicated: **4:32:02**
